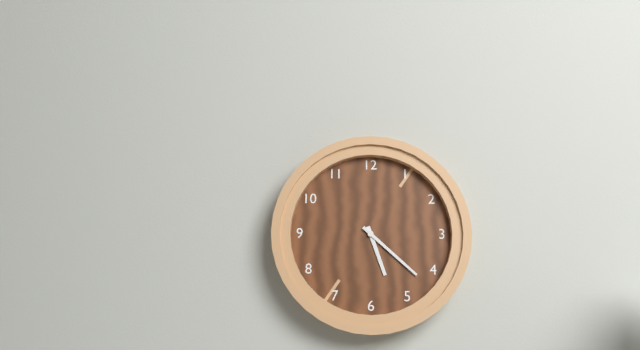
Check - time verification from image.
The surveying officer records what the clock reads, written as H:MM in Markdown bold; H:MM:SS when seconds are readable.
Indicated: **5:22**
